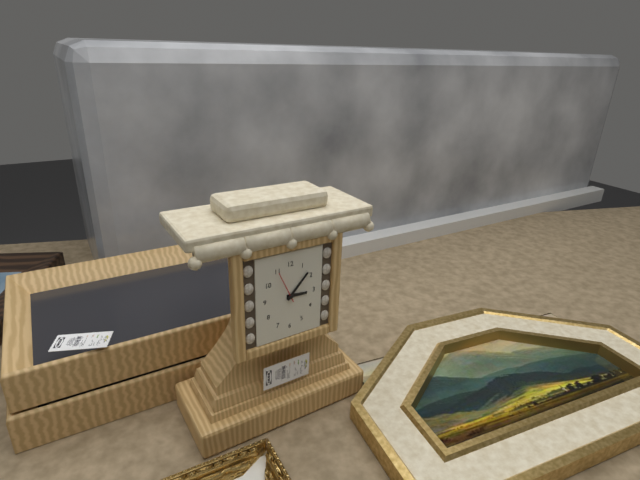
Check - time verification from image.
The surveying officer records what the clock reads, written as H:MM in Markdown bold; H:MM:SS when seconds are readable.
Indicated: **3:07**
